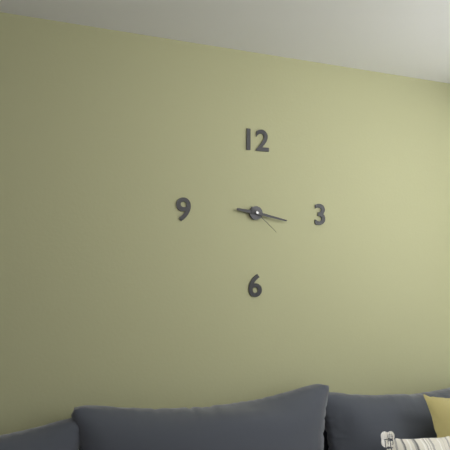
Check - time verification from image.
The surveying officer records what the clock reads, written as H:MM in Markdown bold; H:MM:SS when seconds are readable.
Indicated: **9:17**
